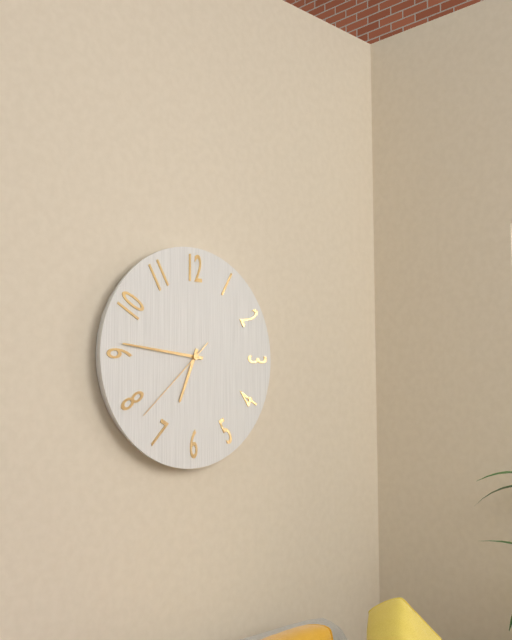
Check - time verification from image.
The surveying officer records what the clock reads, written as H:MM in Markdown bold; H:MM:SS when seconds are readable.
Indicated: **6:46:38**
